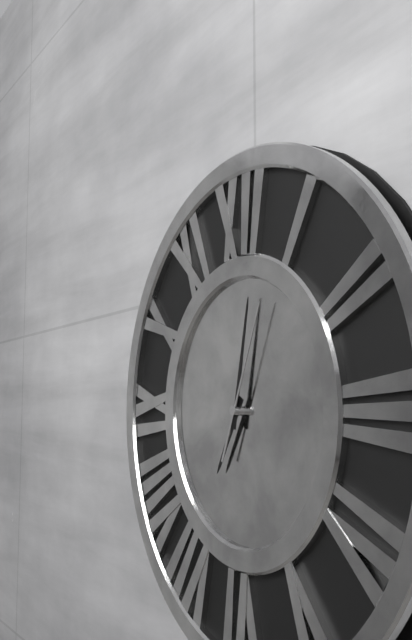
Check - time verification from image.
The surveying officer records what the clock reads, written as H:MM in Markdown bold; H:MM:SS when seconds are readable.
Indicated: **7:02:04**
